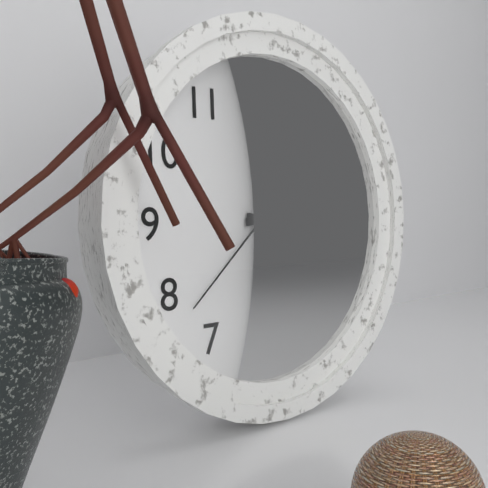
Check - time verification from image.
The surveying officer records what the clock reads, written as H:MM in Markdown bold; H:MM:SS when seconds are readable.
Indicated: **3:14:38**
